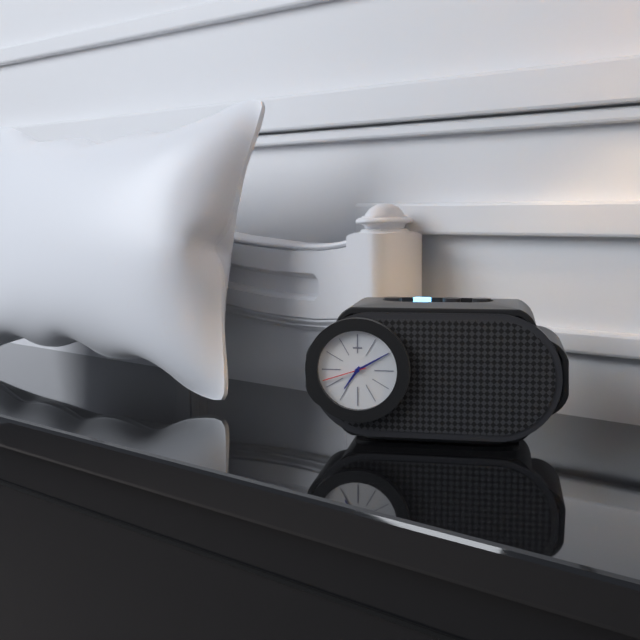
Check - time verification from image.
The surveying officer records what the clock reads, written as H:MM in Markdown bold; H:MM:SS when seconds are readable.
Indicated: **7:10:42**
